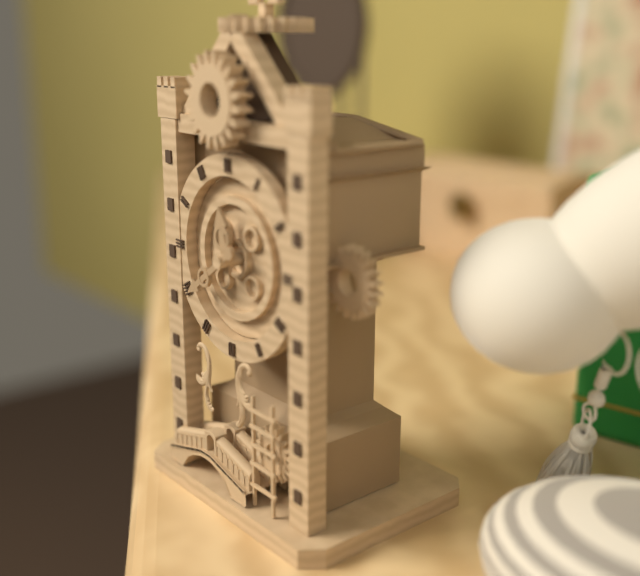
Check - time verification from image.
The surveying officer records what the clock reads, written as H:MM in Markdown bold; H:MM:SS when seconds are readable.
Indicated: **11:39**
